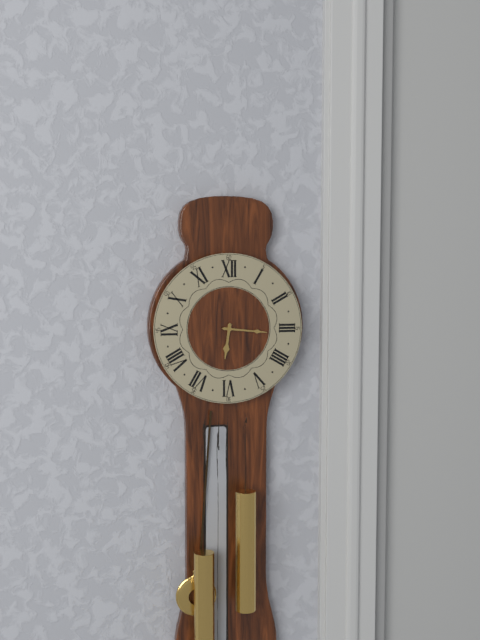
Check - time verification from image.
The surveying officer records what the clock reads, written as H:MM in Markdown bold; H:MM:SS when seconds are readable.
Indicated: **6:16**
